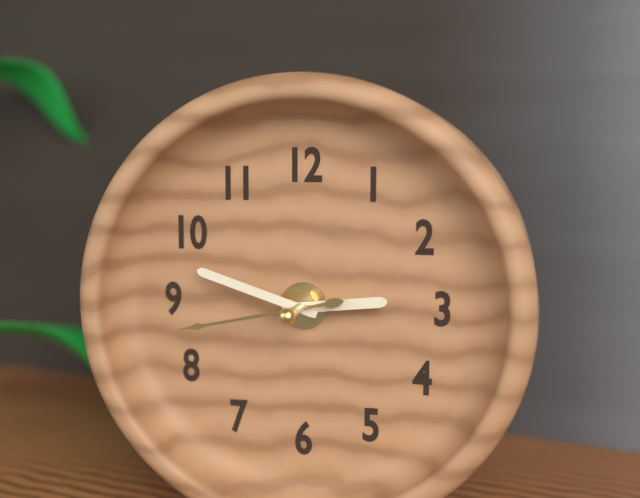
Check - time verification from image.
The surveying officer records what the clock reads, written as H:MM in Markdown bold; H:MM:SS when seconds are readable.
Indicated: **2:48:43**
